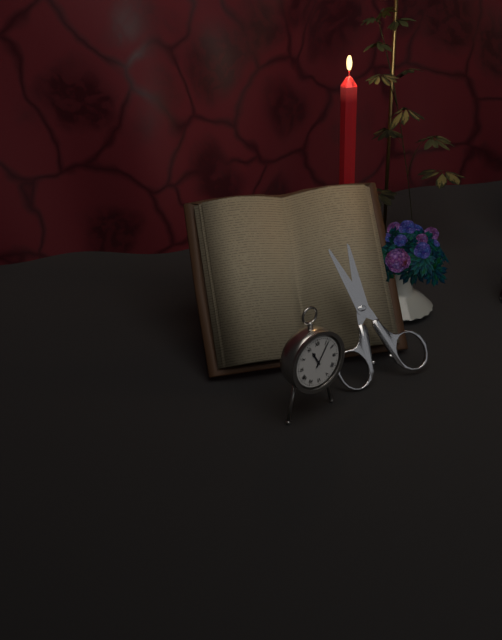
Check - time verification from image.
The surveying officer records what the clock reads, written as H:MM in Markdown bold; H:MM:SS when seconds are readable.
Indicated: **11:06**
